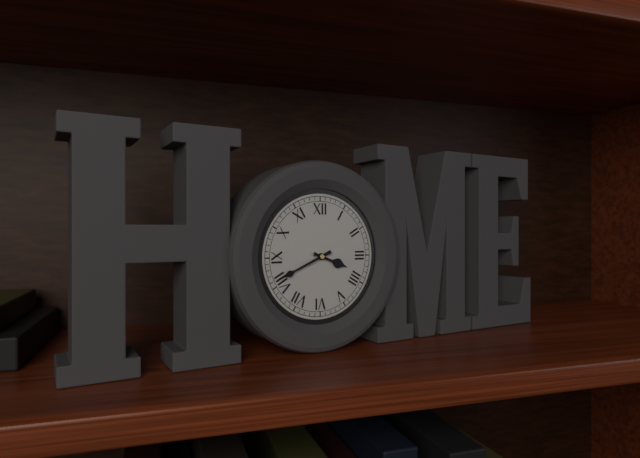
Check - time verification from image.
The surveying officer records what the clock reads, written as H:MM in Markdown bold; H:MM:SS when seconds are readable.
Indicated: **3:41**
